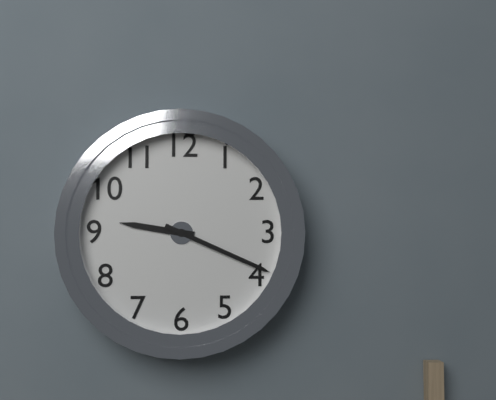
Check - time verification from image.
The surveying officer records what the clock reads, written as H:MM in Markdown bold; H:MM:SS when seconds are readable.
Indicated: **9:19**
